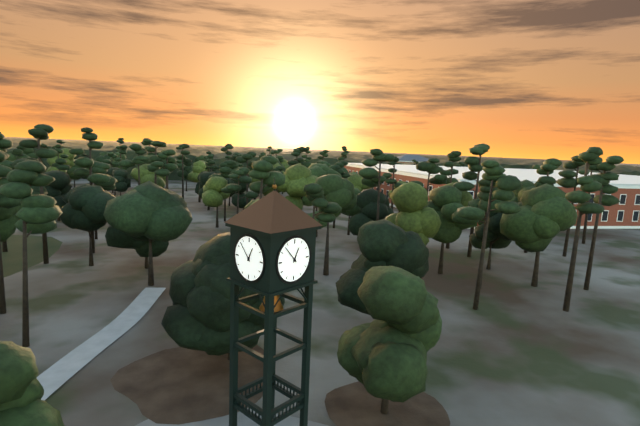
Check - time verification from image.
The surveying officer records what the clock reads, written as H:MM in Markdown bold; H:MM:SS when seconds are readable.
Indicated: **12:53**
